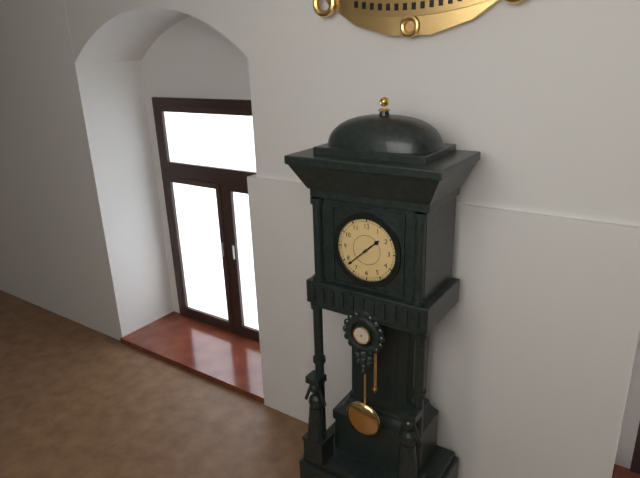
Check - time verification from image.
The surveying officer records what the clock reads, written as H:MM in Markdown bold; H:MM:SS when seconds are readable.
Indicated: **1:38**
